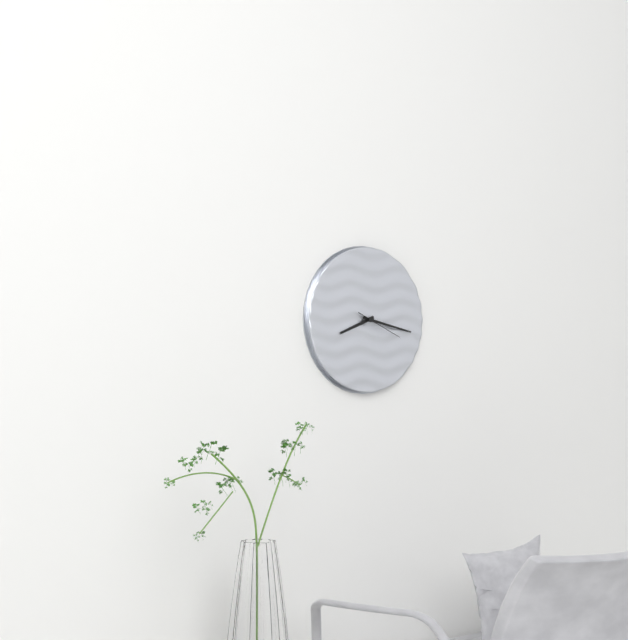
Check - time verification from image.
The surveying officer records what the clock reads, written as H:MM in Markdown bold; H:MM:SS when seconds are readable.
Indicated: **8:17**
